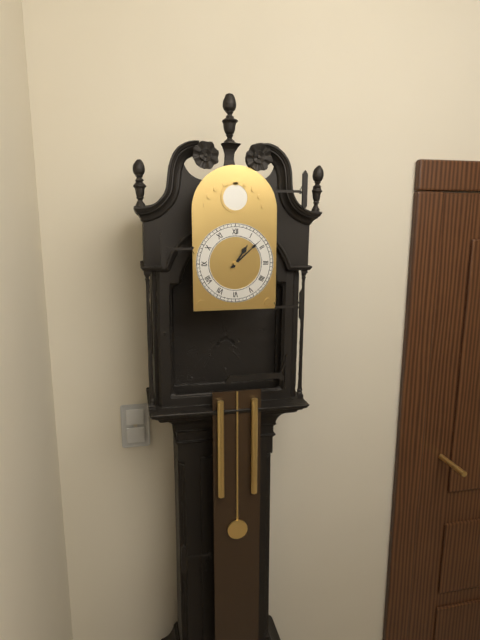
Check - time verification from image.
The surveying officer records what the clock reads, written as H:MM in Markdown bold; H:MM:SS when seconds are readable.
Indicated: **1:08**
